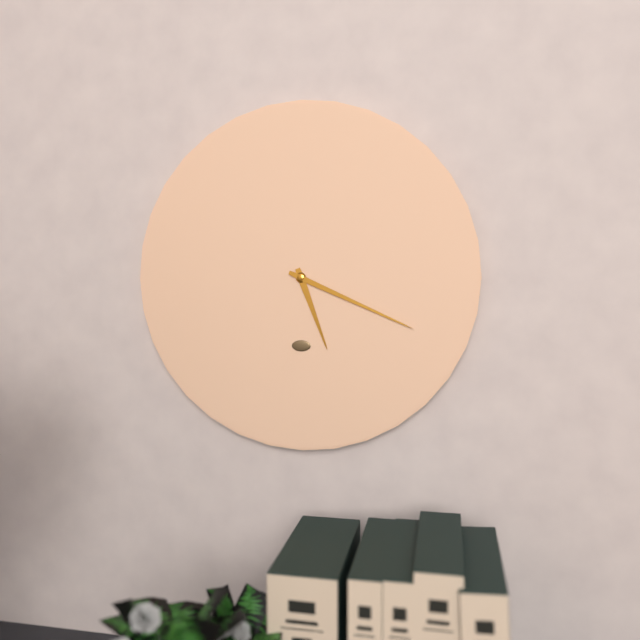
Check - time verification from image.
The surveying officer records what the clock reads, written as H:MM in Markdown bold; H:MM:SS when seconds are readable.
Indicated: **5:19**
